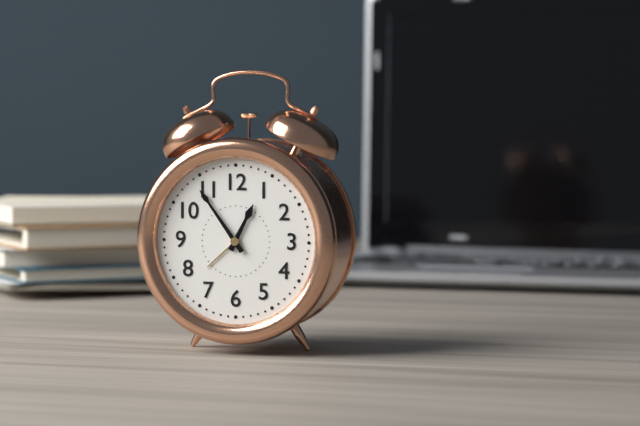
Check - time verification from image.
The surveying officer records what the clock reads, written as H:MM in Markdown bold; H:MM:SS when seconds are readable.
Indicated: **12:54**
